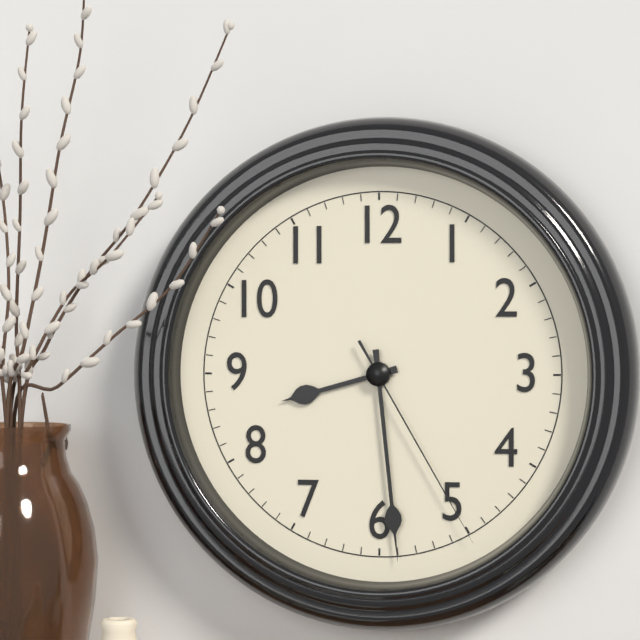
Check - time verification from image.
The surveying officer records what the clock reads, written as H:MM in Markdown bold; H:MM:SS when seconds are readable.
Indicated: **8:29:25**
